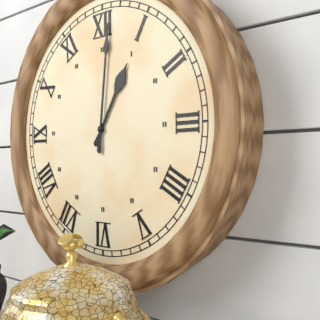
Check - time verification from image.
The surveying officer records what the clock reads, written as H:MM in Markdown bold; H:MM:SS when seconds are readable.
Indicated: **1:01**
